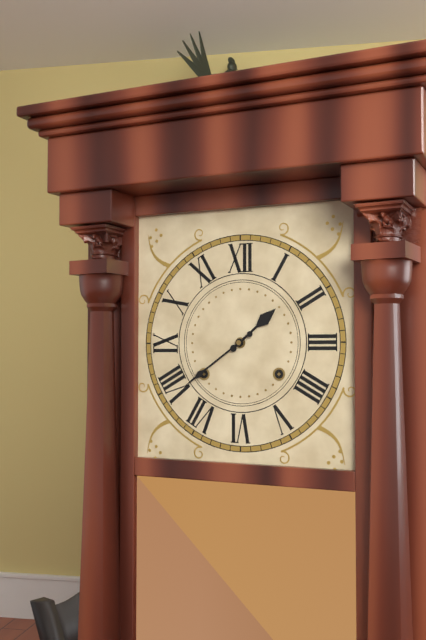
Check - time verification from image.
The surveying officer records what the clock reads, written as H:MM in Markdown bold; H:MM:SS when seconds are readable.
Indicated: **1:39**
